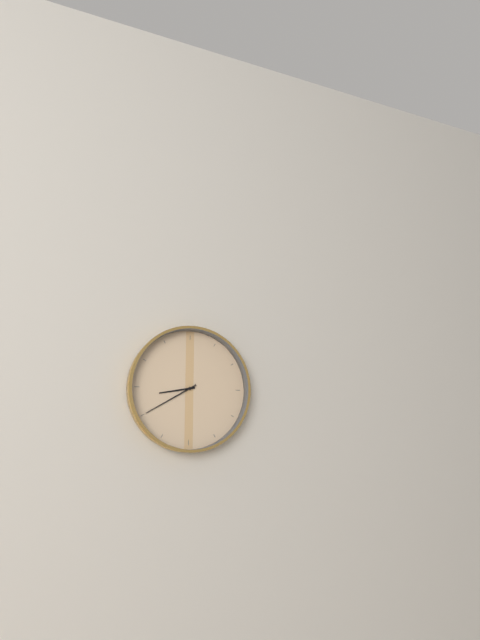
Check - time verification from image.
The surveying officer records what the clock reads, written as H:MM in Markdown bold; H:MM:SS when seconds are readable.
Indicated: **8:40**
